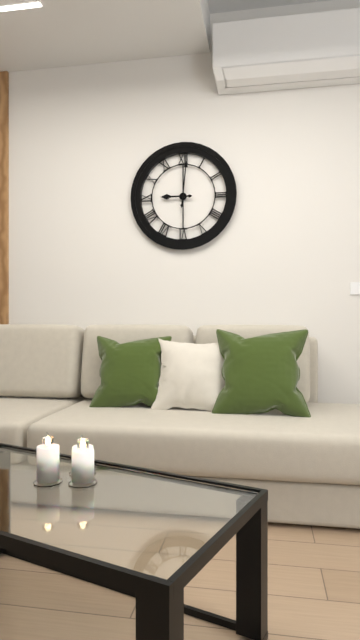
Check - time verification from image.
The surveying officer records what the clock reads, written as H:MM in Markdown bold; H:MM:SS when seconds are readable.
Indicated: **9:01**
